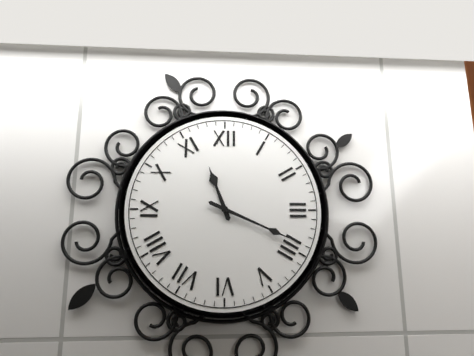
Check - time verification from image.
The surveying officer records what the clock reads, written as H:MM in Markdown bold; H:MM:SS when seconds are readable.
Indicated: **11:19**
